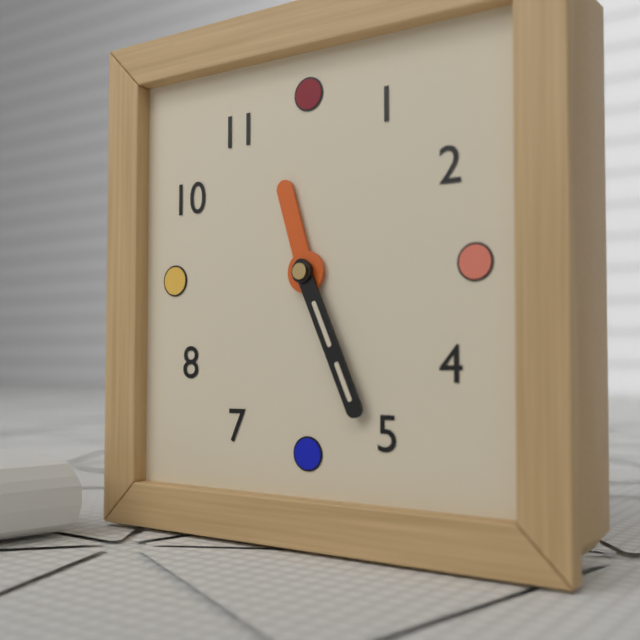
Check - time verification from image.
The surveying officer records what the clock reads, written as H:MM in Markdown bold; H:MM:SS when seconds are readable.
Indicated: **11:26**
